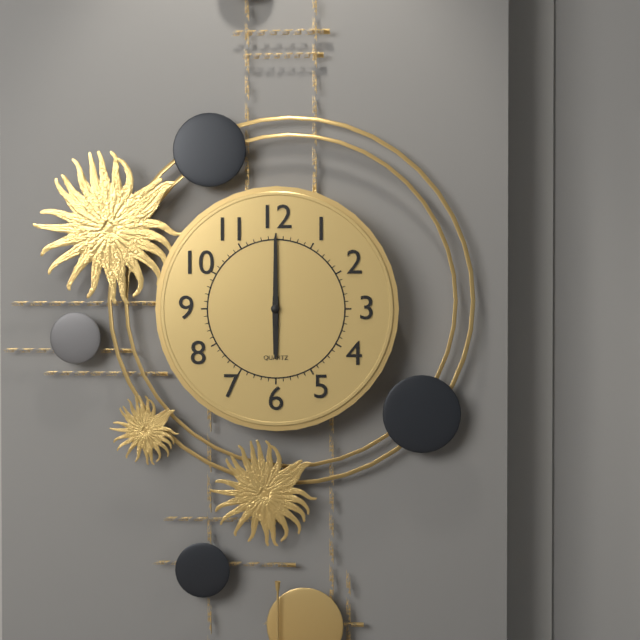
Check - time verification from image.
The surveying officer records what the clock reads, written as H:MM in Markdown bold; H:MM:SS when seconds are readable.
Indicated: **6:00**
